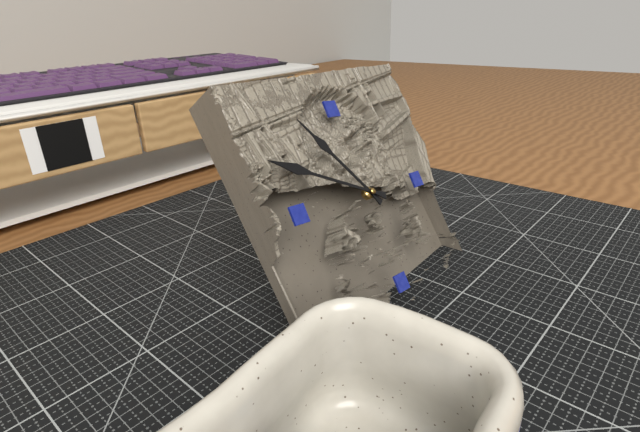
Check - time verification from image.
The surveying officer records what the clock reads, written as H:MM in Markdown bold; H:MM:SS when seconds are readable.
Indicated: **10:49**
